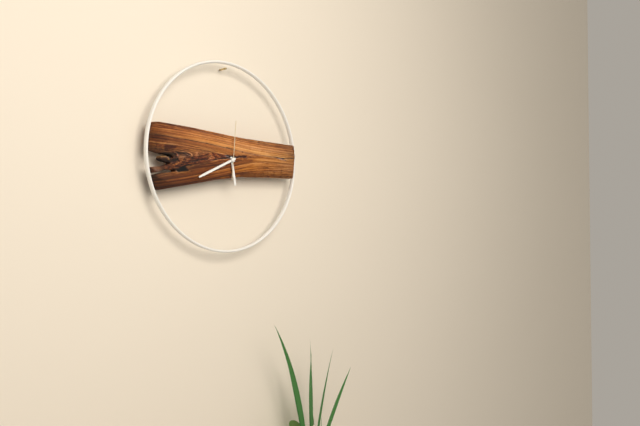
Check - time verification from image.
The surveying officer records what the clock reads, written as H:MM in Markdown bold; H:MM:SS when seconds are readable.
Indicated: **5:41**
